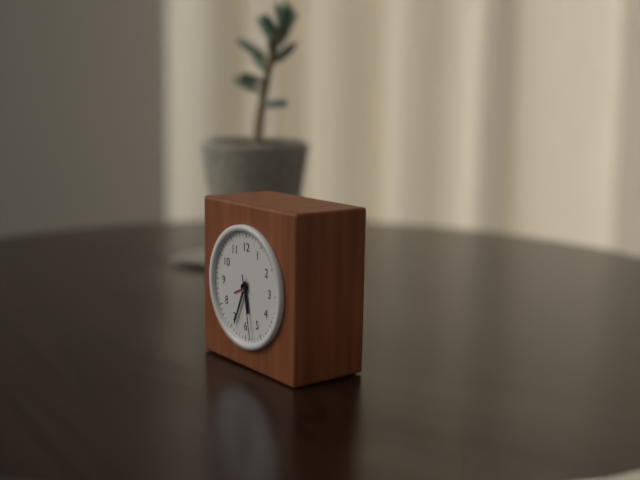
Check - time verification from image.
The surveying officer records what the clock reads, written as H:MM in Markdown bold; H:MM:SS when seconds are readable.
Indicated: **5:34:28**
